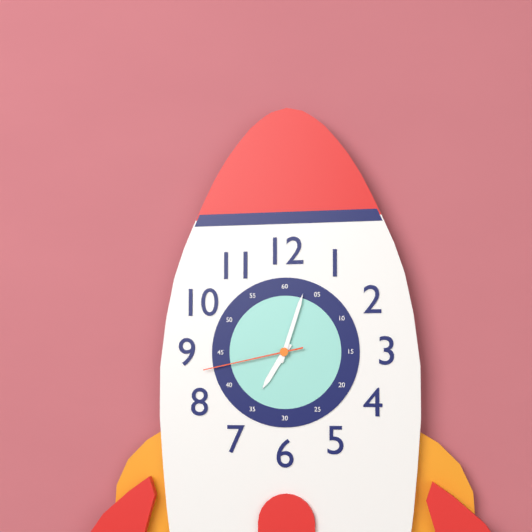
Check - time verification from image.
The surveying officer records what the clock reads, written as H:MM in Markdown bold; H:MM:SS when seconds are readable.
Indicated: **7:03:43**
